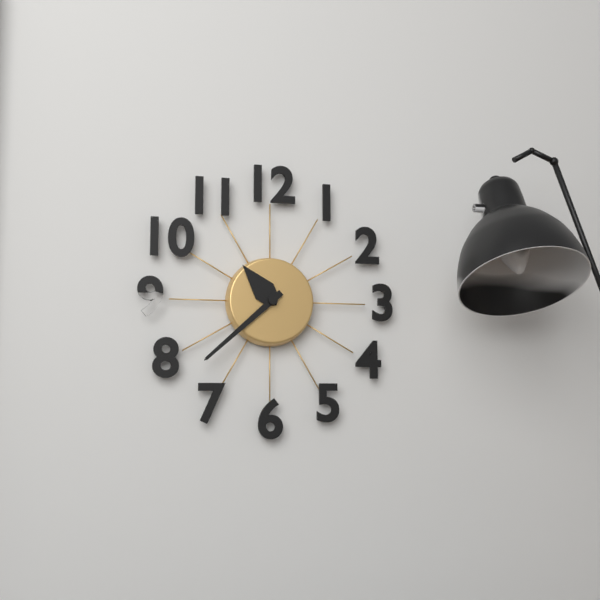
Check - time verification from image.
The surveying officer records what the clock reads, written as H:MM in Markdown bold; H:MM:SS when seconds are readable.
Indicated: **10:38**
